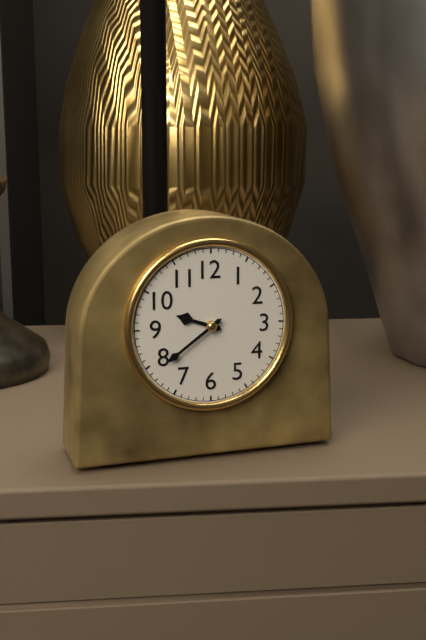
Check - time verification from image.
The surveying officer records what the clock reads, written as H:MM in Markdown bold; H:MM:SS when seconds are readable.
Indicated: **9:39**
